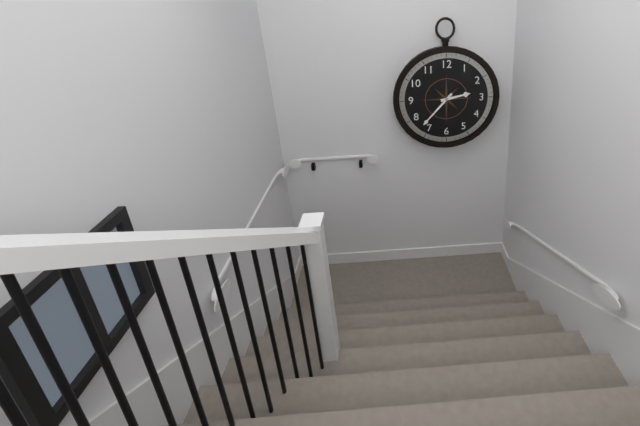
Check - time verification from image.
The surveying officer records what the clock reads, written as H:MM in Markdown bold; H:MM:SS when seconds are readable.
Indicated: **2:37**
